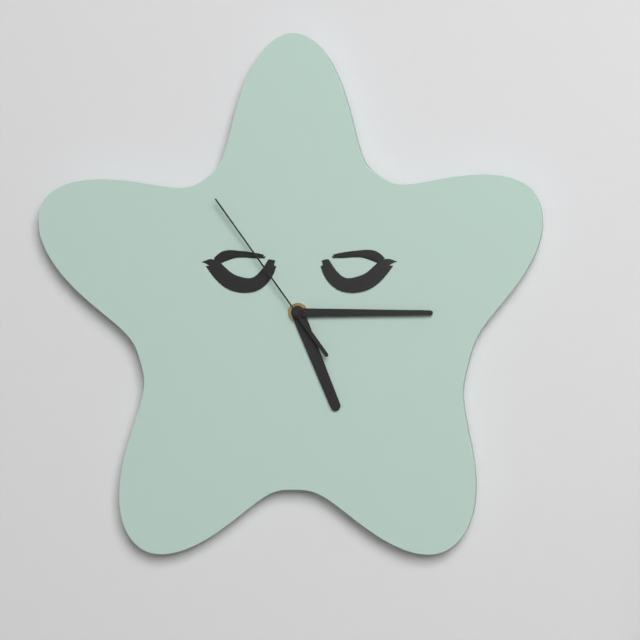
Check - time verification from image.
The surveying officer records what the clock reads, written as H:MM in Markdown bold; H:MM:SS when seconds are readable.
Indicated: **5:15:54**
